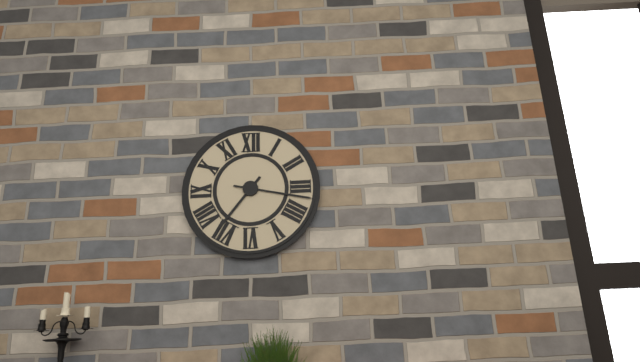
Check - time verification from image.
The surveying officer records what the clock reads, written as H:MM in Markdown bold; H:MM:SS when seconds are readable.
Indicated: **7:17**
